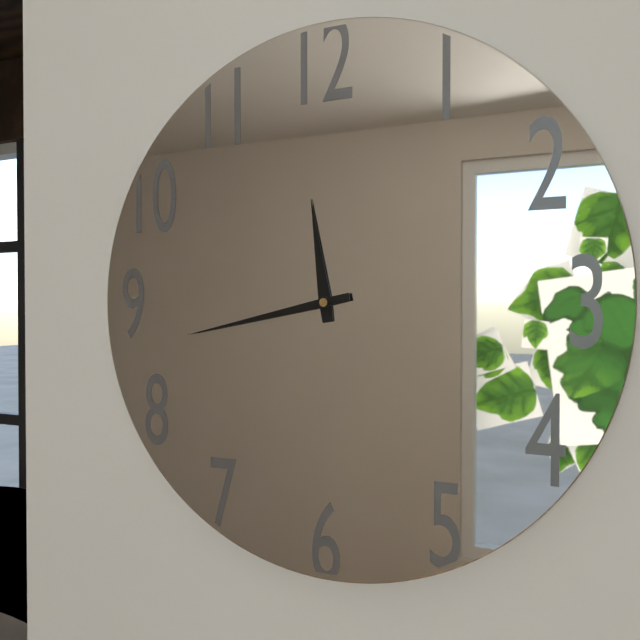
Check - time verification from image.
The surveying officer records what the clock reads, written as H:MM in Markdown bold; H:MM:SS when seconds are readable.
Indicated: **11:43**
